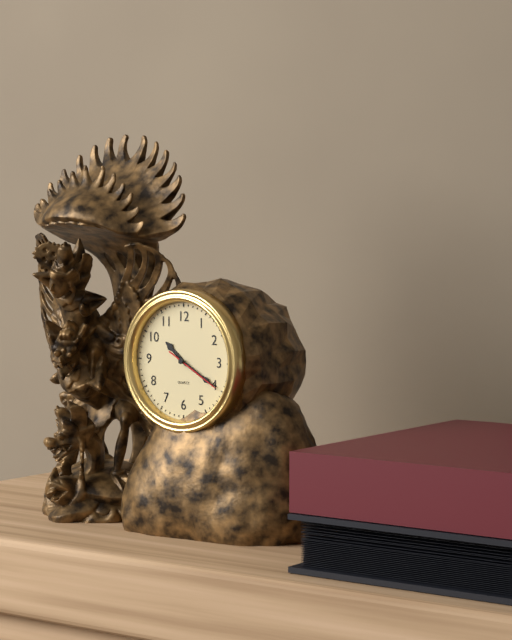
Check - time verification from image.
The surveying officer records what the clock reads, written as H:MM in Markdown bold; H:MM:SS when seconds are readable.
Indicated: **10:20:20**
